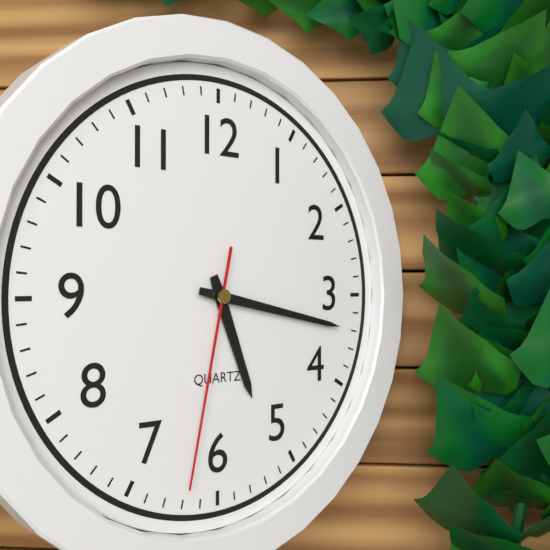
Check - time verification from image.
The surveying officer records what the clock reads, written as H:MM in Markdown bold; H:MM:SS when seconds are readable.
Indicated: **5:17:32**
